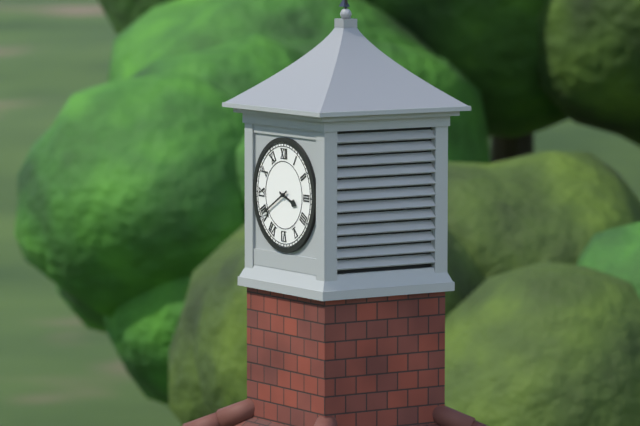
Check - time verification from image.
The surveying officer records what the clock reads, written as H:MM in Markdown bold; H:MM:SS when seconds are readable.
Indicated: **3:40**
